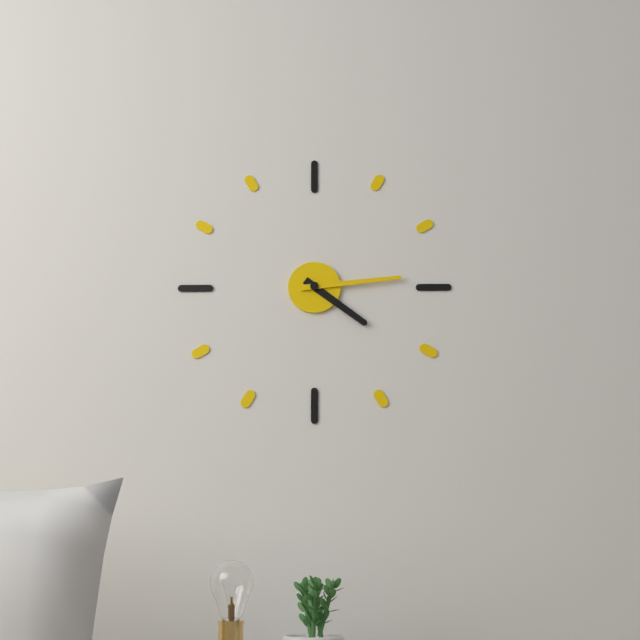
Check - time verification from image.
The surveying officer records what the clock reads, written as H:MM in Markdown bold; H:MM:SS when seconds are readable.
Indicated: **4:14**
